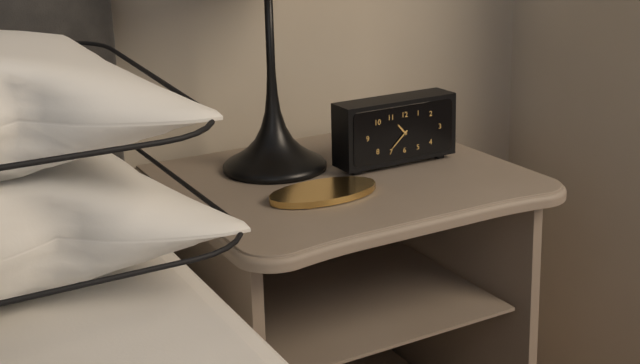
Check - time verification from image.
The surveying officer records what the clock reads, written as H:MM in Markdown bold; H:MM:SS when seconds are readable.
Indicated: **10:38**
